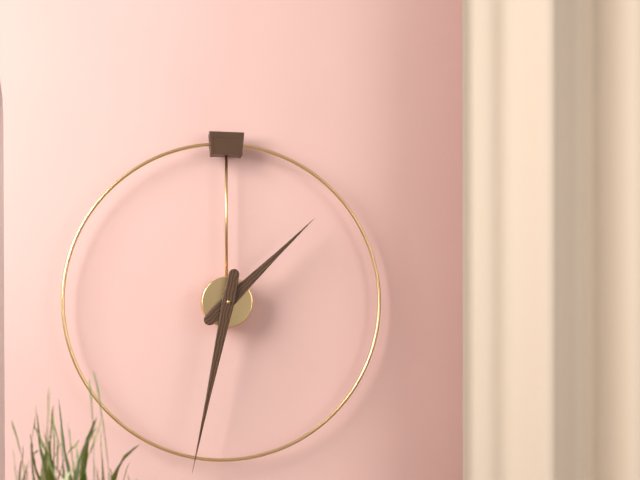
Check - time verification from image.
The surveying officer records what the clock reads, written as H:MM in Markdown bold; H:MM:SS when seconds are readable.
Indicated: **1:32**
